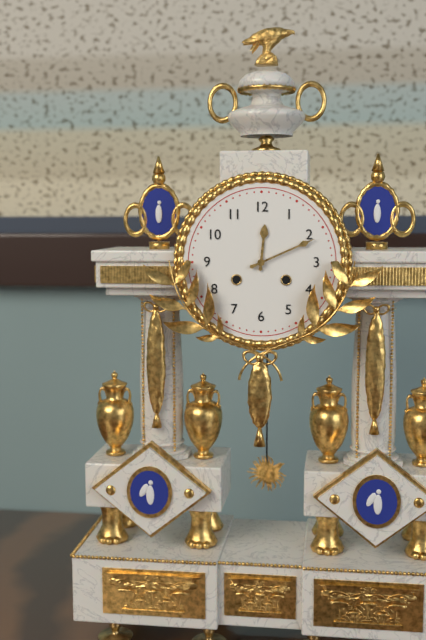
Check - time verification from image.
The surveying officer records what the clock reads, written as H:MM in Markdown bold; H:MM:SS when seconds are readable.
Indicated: **12:11**
